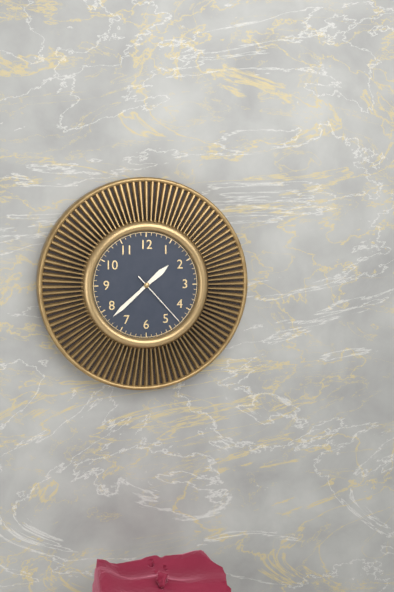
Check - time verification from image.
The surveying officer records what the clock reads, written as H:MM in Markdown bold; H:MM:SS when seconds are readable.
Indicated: **1:38:23**
